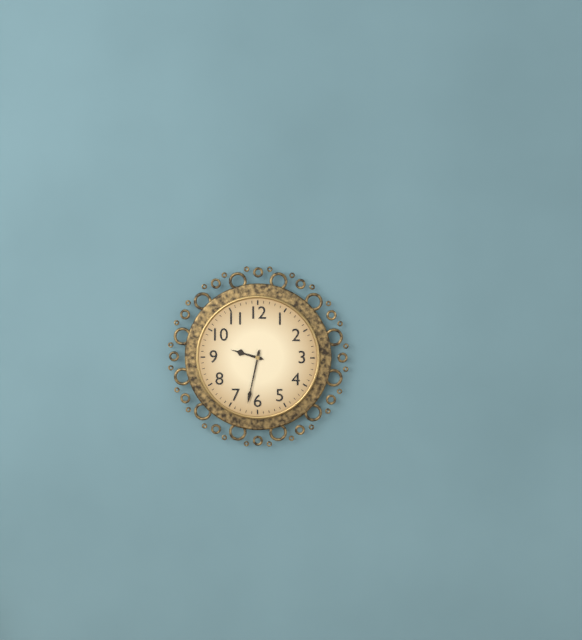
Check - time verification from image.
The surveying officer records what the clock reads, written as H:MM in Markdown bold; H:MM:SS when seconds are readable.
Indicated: **9:32**
